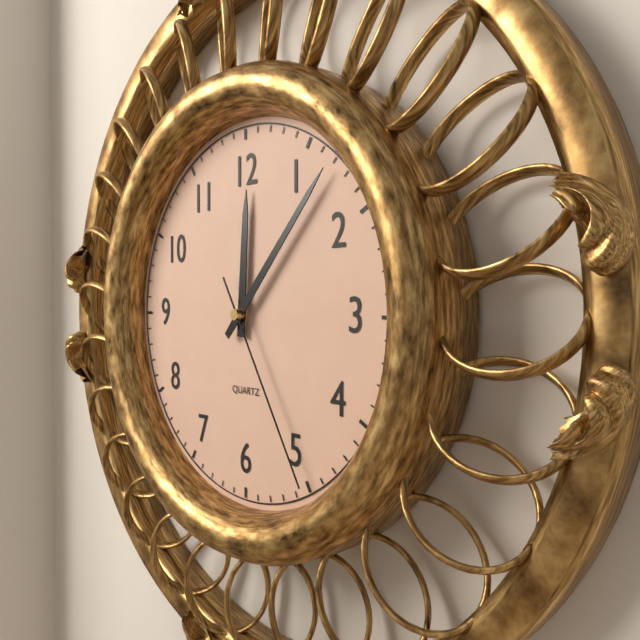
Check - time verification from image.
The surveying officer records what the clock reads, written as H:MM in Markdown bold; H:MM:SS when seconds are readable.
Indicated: **12:07:25**
